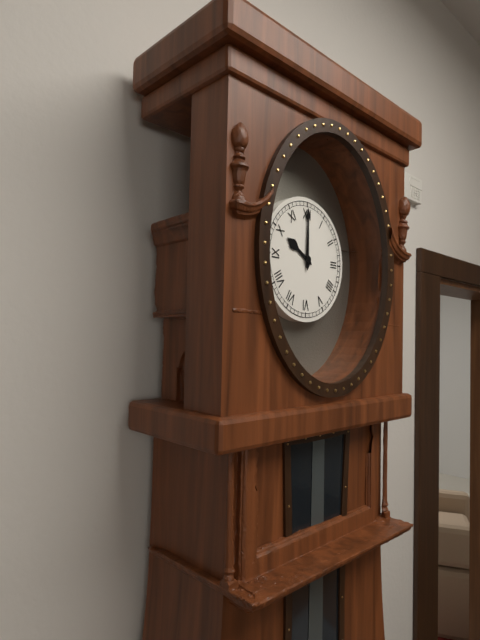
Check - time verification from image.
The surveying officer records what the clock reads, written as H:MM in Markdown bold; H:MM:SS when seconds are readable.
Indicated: **10:00**
